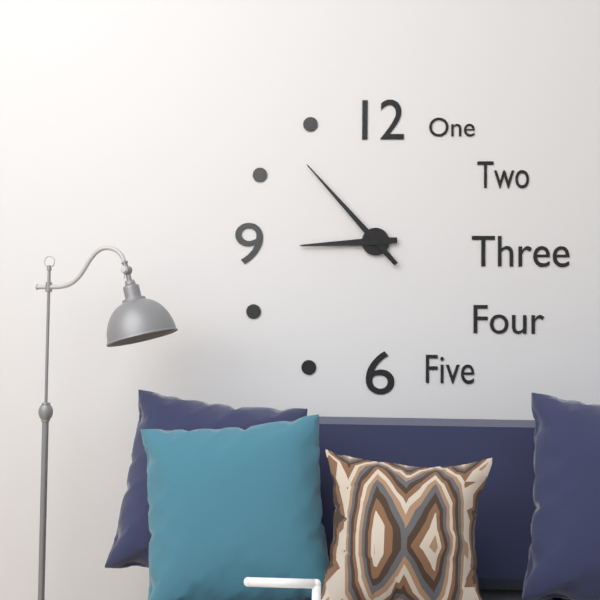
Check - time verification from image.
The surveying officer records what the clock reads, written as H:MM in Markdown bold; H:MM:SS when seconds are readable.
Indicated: **8:53**
